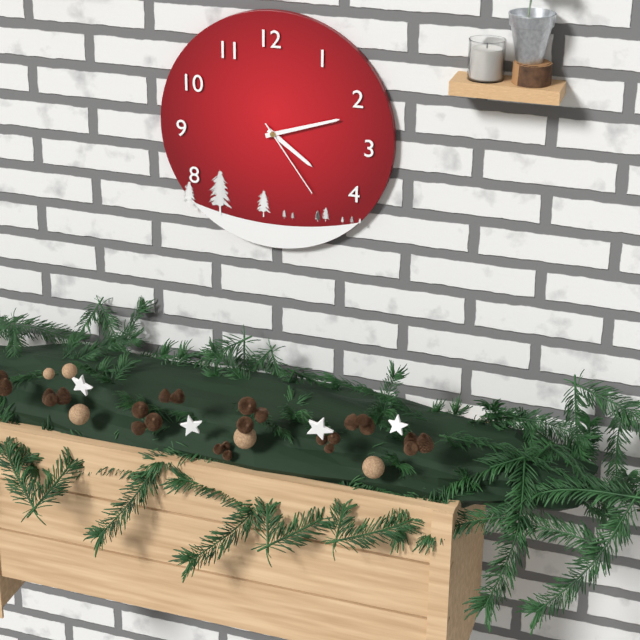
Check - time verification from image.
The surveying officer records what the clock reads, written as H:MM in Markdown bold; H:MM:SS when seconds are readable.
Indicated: **4:12:24**
